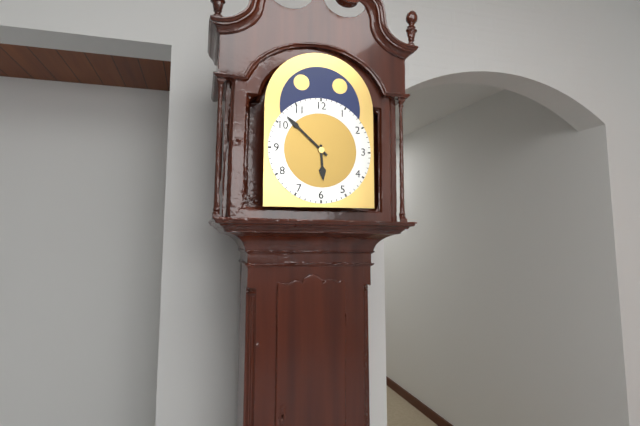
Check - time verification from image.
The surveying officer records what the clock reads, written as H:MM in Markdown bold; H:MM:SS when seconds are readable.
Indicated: **5:52**
